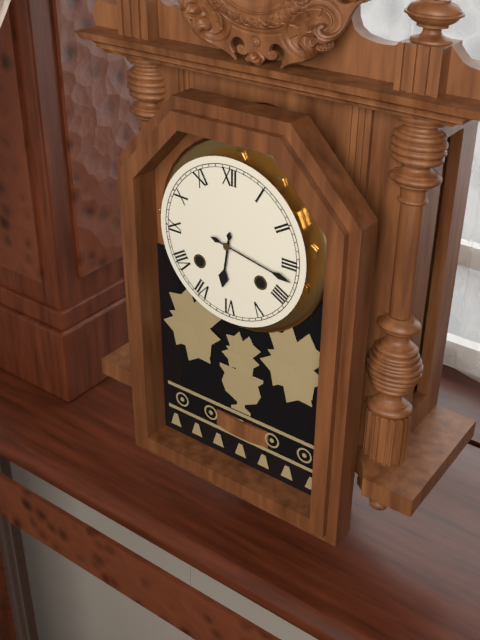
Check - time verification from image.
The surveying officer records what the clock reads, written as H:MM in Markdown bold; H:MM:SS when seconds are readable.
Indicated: **6:17**
